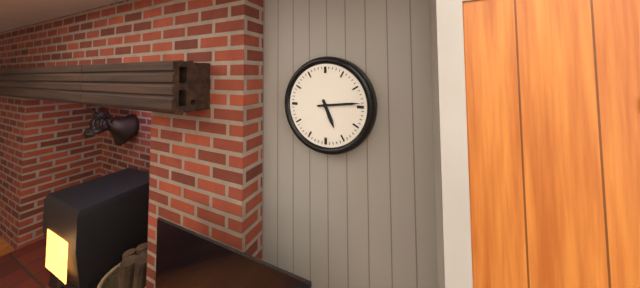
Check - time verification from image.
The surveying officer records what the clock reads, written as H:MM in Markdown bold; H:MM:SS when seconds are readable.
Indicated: **5:14**
